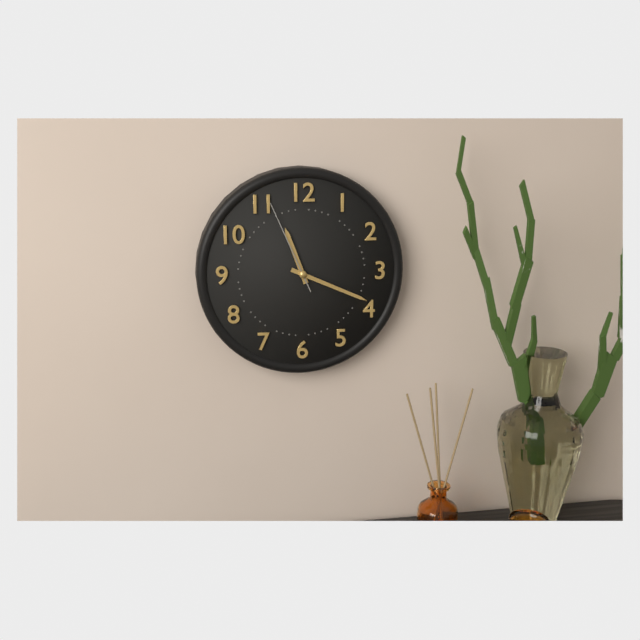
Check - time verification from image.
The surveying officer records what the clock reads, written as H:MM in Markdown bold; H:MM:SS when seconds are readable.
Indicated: **11:19:56**
